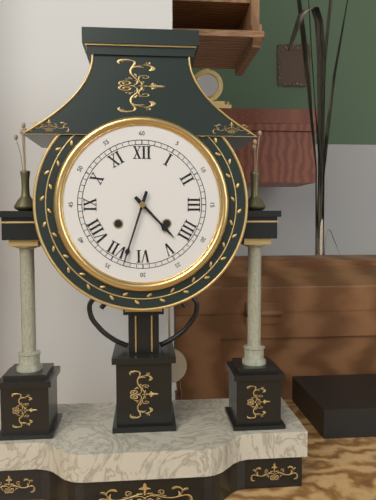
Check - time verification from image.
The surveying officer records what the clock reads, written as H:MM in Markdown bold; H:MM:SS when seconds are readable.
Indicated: **4:33**
